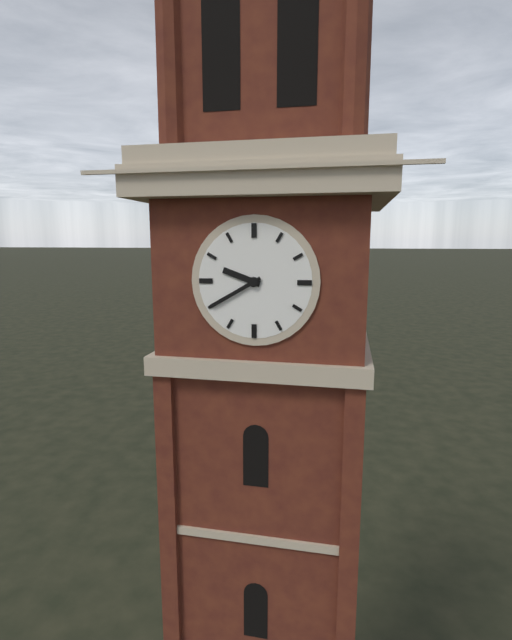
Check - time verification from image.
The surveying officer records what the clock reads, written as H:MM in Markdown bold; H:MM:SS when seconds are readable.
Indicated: **9:40**
